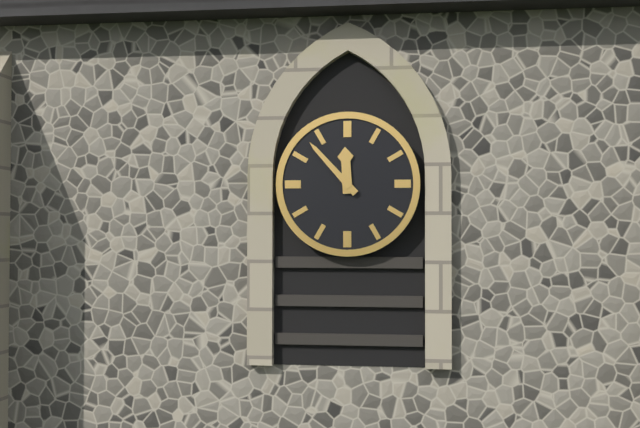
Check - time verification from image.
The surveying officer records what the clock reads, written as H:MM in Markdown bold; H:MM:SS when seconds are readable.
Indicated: **11:53**
